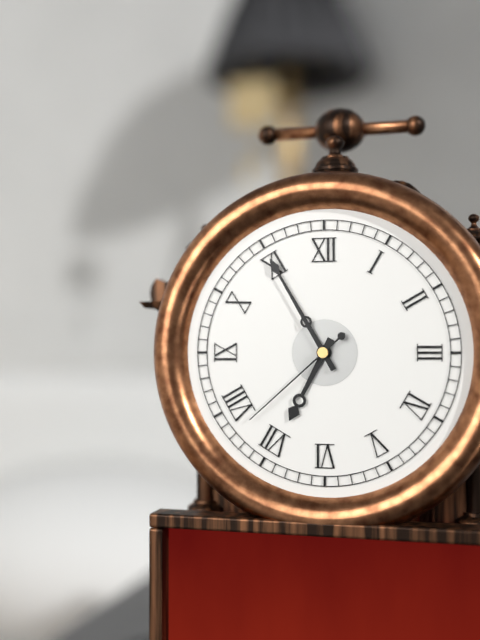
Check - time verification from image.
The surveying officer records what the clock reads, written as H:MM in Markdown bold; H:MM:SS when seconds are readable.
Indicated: **6:55:38**
